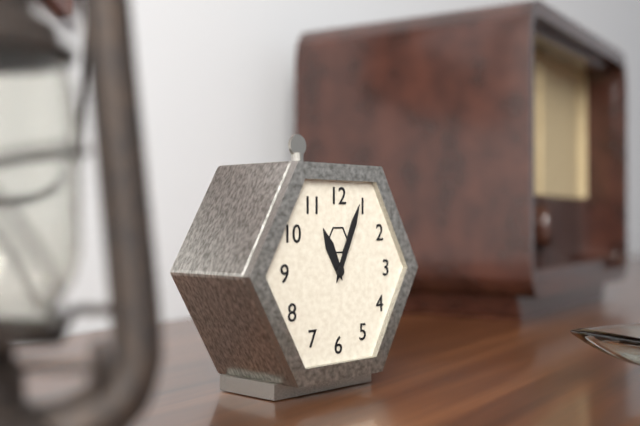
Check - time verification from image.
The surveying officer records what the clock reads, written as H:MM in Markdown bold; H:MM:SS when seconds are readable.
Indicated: **11:04**
